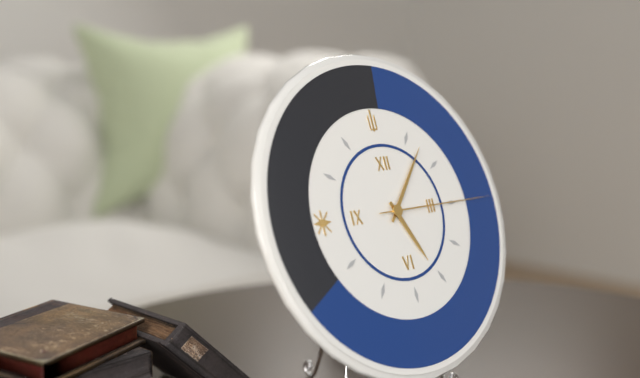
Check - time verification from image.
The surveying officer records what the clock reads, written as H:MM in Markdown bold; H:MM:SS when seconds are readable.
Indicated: **5:07:15**
